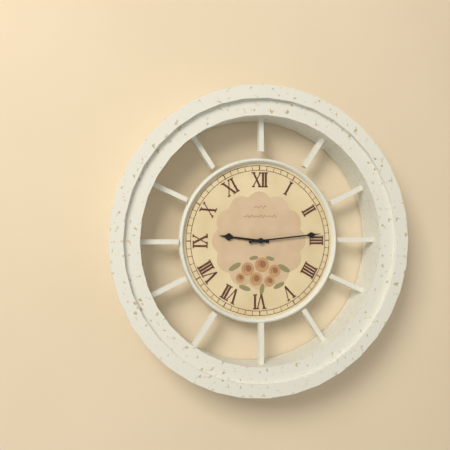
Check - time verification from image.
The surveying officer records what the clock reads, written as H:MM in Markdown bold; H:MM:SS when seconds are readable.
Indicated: **9:14**
